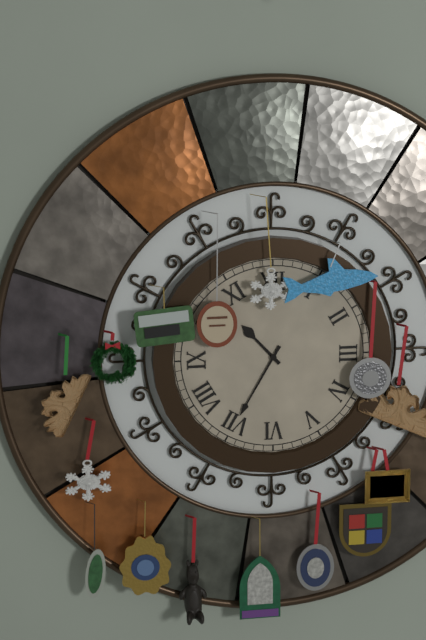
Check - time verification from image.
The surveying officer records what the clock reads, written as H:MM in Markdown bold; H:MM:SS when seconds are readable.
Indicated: **10:35**
